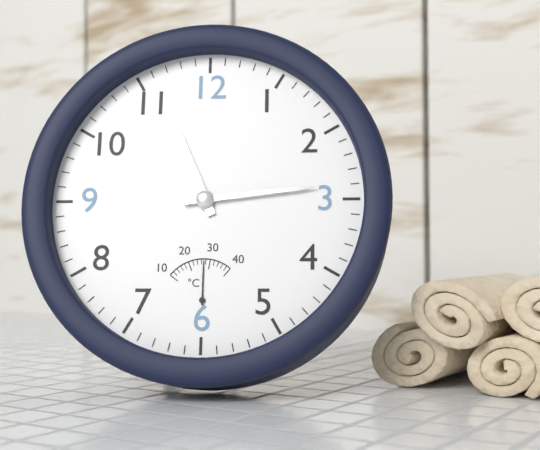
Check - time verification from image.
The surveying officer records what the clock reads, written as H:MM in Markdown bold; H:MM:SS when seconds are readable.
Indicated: **11:14**
